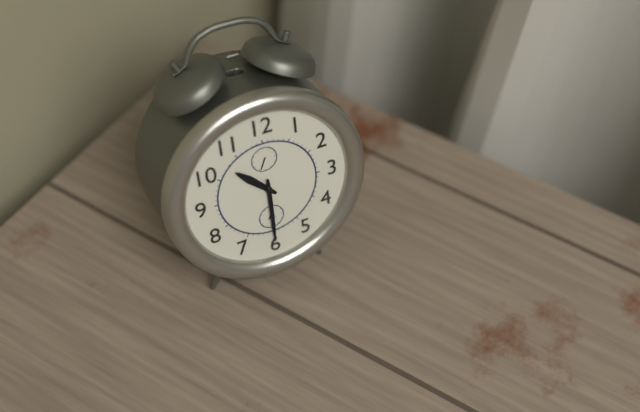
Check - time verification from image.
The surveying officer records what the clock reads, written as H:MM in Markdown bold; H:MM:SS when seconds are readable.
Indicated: **10:30**
